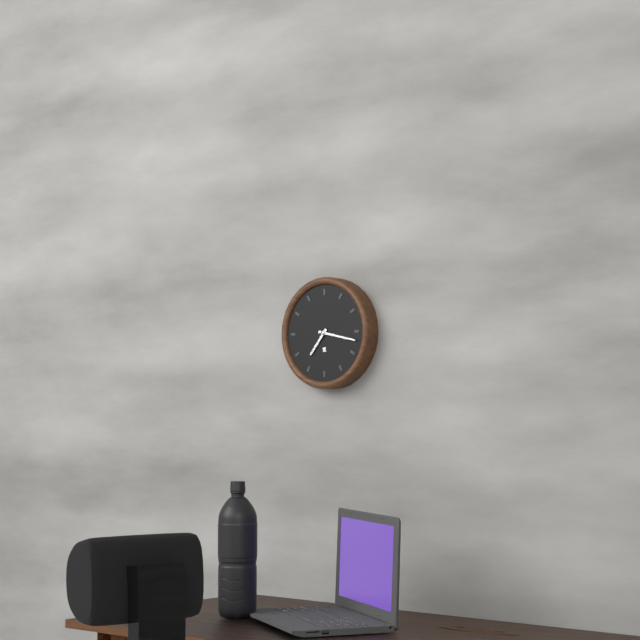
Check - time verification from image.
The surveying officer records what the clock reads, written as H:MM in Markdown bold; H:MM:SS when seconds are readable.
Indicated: **7:17**
